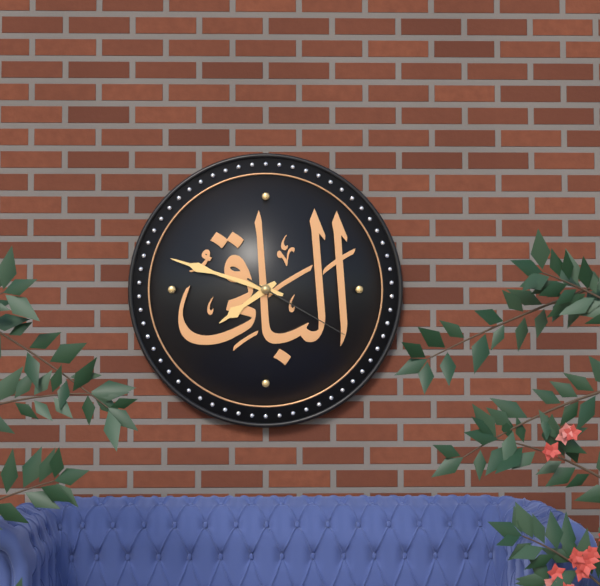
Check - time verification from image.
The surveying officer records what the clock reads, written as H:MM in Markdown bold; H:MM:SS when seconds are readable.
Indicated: **7:48:20**
